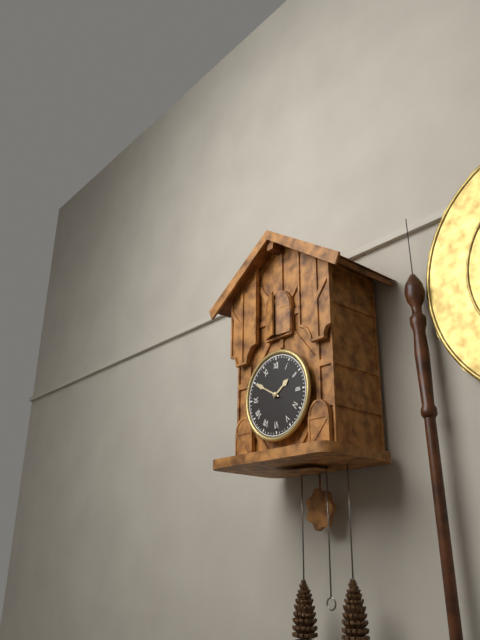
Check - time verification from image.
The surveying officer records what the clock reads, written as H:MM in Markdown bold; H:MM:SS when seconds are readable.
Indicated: **1:50**
